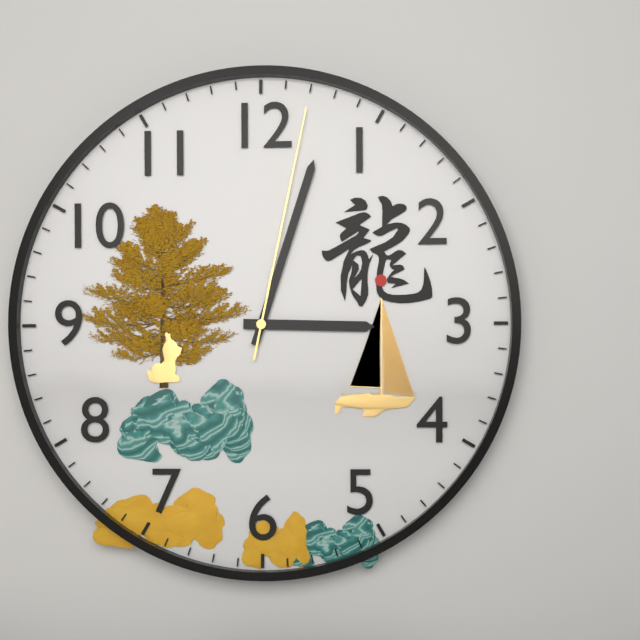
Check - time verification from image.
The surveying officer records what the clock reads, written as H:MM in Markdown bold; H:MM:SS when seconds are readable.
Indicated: **3:03:02**
